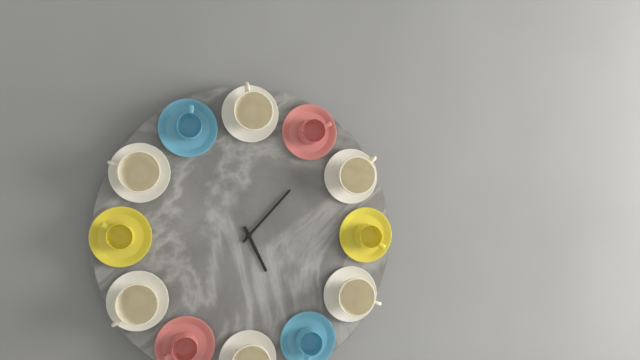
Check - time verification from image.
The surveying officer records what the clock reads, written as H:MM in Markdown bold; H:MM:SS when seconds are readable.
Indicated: **5:07**
